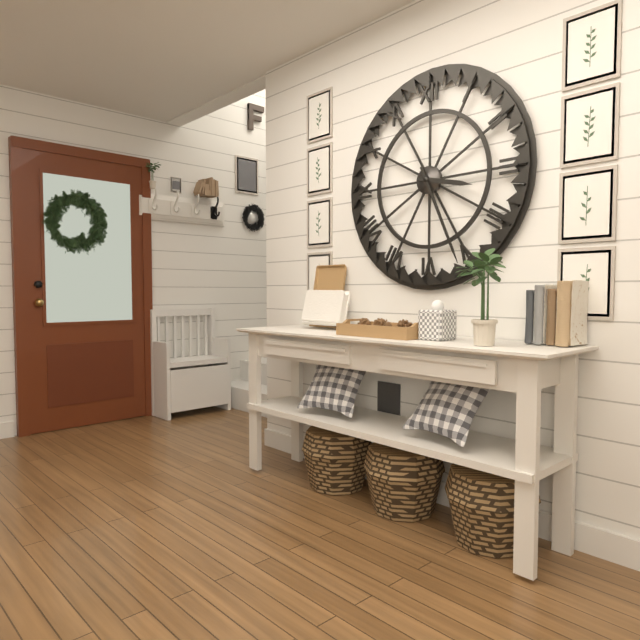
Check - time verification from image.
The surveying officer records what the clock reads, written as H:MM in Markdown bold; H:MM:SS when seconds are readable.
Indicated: **3:26**
